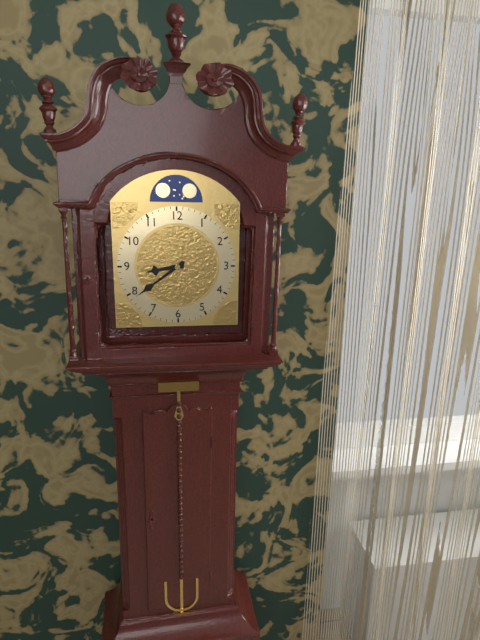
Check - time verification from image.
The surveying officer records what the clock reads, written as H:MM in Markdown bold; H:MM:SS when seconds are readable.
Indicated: **8:39**
